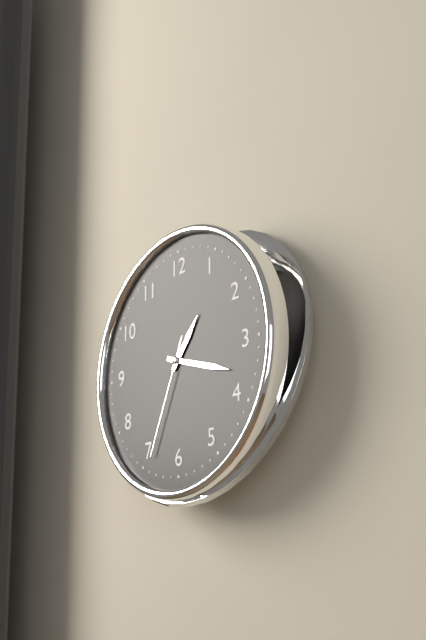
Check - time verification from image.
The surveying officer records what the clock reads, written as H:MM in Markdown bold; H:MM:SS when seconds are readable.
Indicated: **1:18:34**
